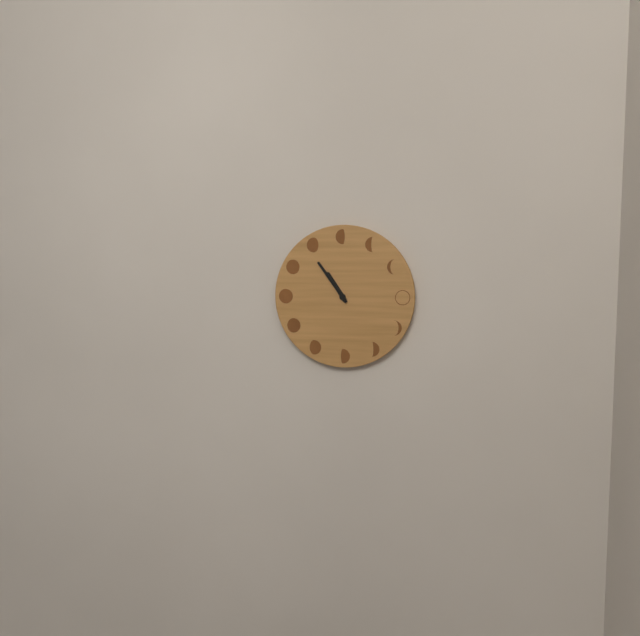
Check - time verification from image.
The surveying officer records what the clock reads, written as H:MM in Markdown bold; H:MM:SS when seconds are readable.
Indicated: **10:54**
